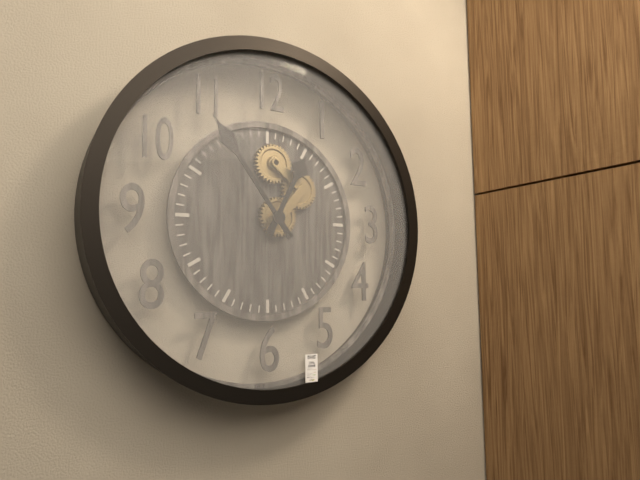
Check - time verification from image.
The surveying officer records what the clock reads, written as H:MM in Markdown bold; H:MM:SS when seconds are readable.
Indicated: **12:54**
